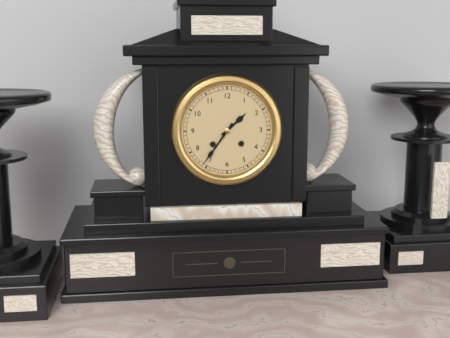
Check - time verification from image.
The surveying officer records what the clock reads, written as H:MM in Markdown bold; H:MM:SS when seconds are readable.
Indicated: **1:36**
